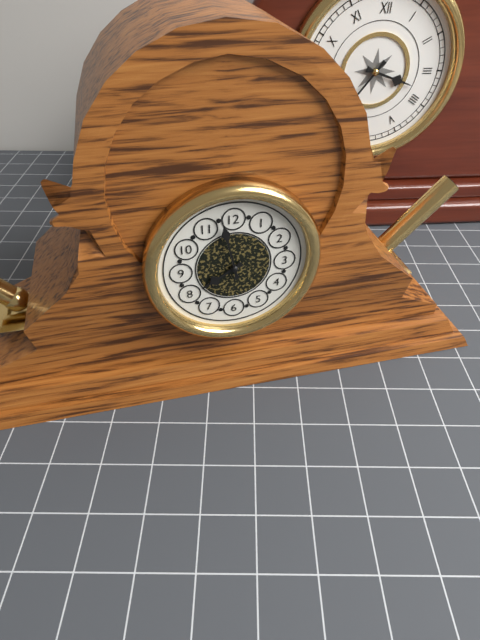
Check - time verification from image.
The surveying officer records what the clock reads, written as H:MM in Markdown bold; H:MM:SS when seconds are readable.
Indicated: **7:58**
